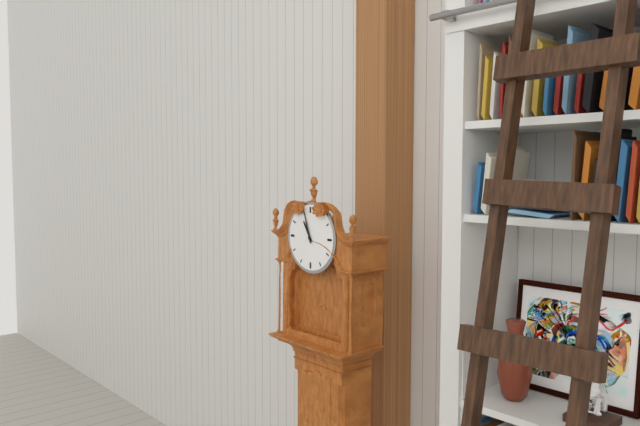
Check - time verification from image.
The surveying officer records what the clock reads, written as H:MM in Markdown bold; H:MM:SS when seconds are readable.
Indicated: **10:57**
